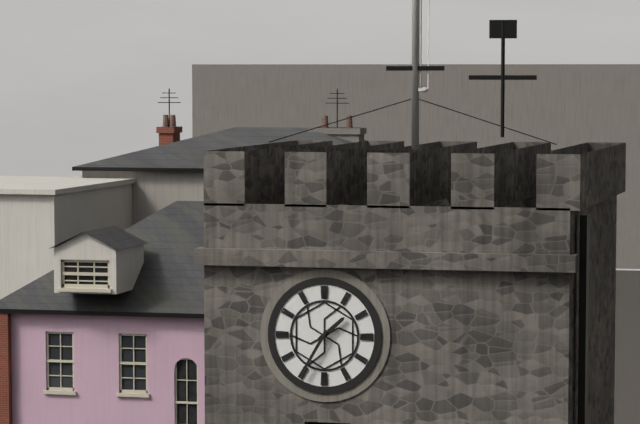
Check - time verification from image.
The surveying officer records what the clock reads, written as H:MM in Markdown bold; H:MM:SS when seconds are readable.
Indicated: **1:35**
